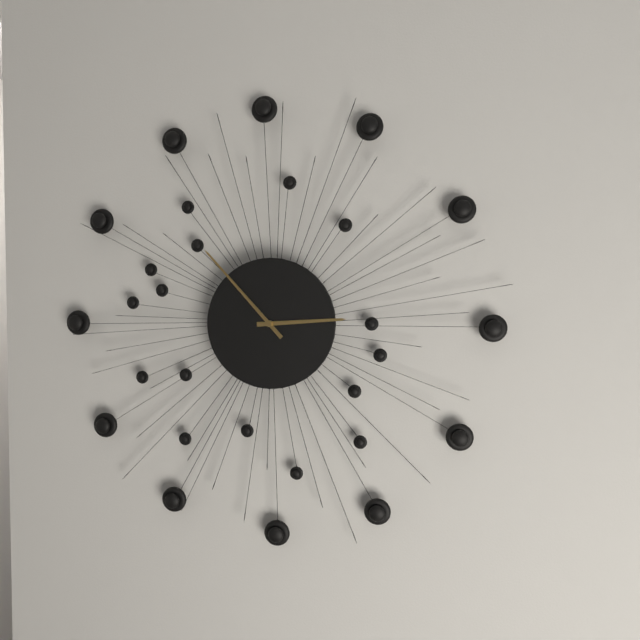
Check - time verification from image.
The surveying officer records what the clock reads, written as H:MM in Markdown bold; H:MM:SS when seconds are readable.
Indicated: **2:53**
